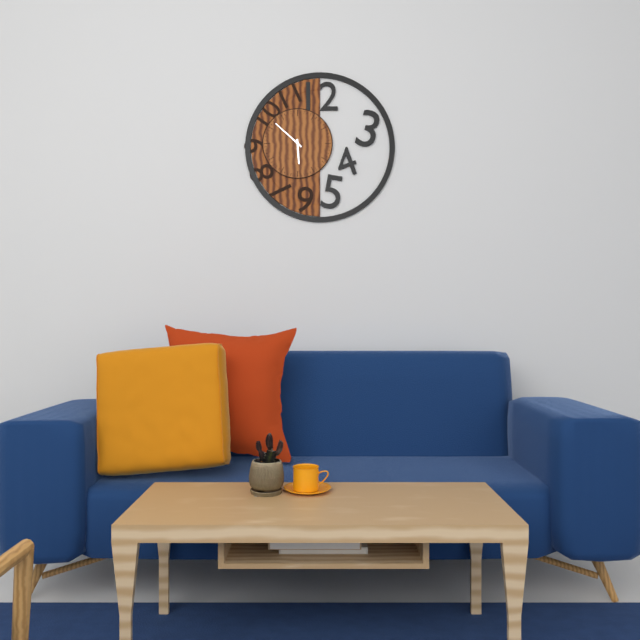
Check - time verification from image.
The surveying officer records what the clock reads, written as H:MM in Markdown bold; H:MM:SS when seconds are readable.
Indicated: **5:52**
